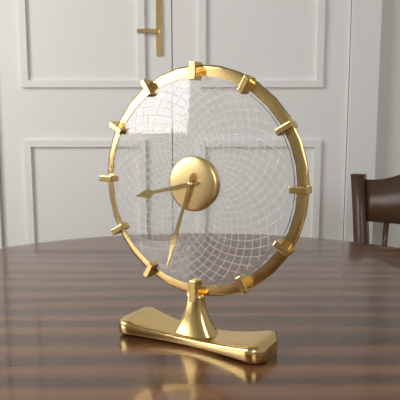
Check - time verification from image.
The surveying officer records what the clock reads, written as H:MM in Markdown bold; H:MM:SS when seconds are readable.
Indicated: **8:33**
